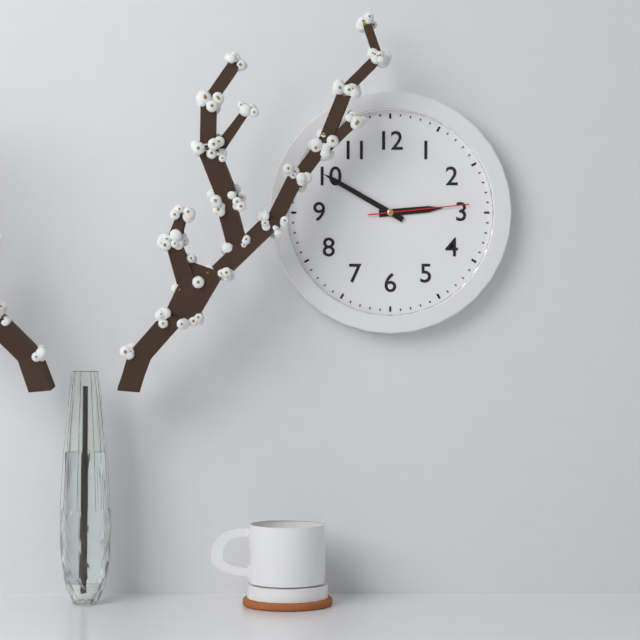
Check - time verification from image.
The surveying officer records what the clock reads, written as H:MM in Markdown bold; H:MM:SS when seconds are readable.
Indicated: **2:50:14**
